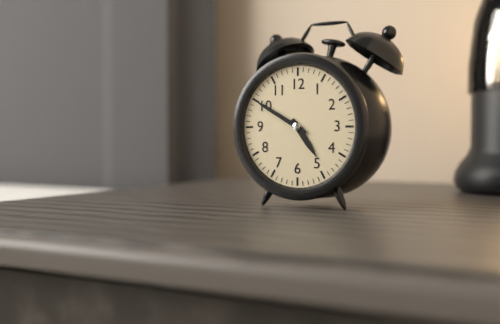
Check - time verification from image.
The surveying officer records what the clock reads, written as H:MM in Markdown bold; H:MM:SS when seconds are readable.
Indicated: **4:50**
